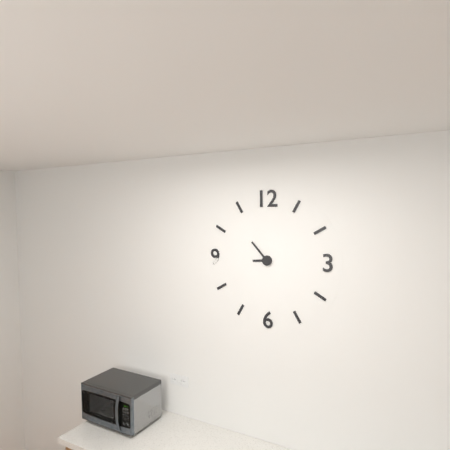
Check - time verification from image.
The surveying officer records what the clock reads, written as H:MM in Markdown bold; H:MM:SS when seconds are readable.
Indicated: **8:53**
